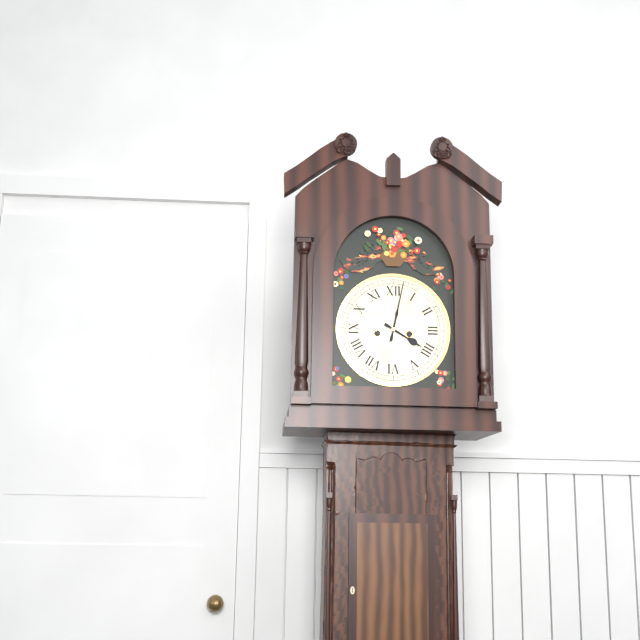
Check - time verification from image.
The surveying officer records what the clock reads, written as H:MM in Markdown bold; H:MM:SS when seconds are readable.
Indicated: **4:02**
